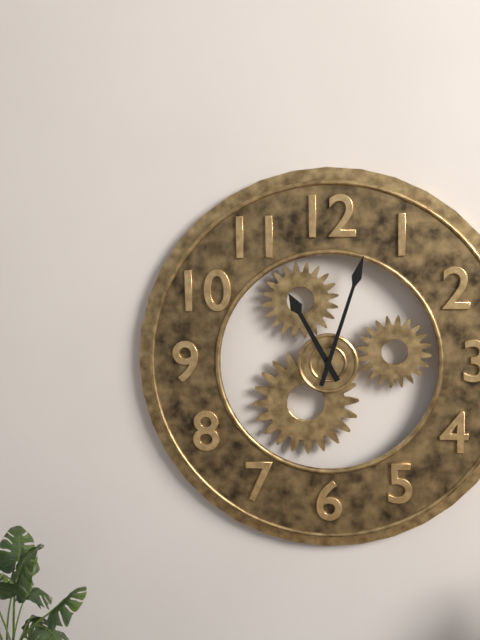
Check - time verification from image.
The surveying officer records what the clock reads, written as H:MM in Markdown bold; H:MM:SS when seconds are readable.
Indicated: **11:03**
